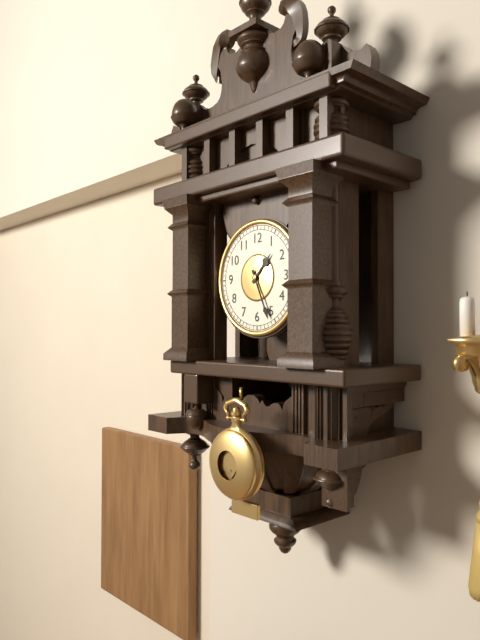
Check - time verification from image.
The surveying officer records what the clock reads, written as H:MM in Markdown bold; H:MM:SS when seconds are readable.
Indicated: **1:26**
